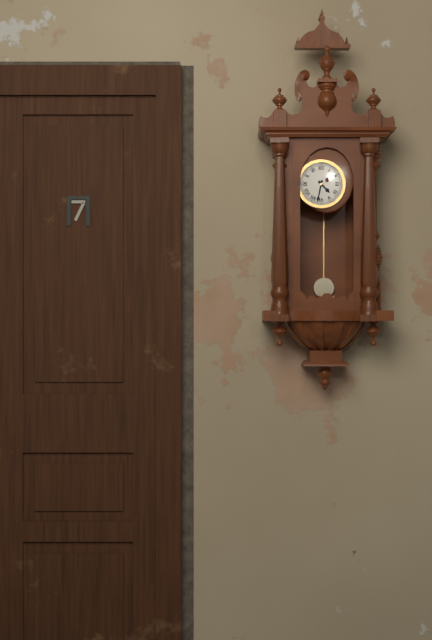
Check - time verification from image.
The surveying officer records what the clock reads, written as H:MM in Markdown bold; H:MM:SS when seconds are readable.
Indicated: **4:32**
